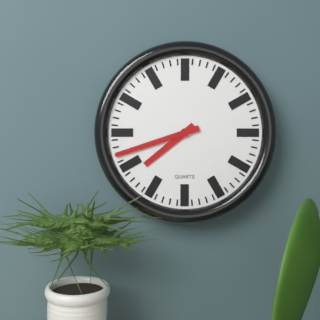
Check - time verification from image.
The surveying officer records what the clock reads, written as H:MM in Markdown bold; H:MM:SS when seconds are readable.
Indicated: **7:42**
